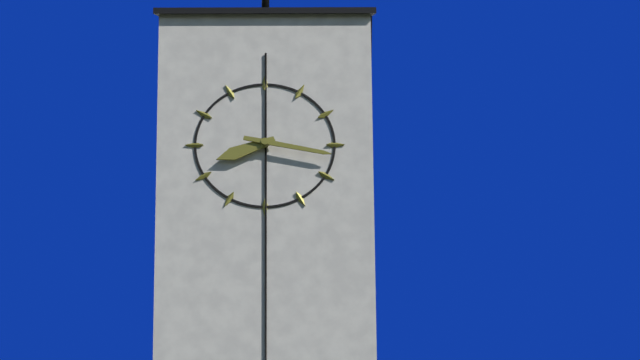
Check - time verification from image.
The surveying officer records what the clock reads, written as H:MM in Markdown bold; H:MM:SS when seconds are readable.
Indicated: **8:17**
